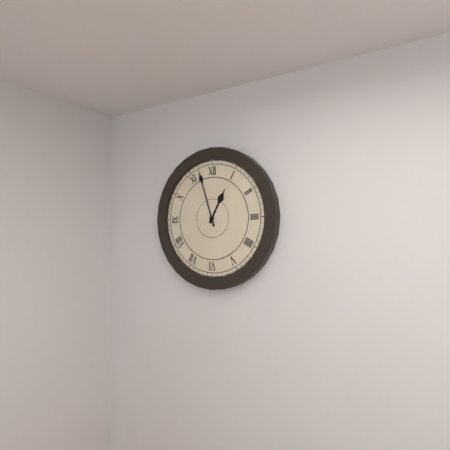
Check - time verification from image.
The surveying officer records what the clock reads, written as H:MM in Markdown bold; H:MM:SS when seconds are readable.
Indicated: **12:57**
